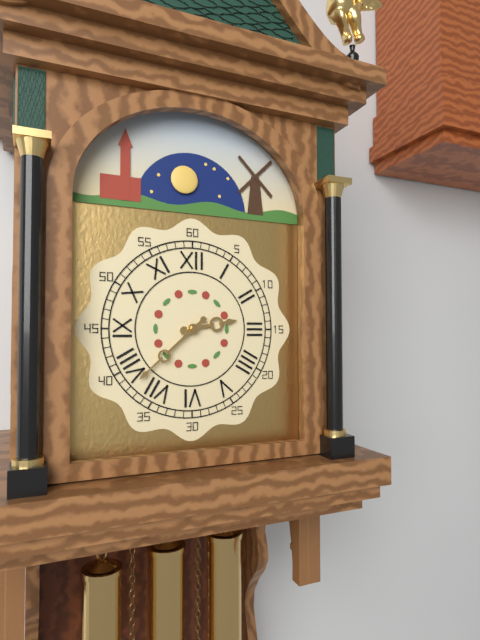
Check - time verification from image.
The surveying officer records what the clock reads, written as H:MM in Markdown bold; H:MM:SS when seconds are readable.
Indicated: **2:38**
